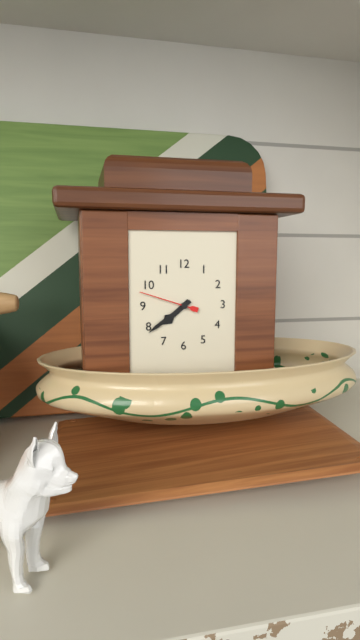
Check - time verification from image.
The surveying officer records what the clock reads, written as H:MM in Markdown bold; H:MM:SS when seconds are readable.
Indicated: **7:39**
